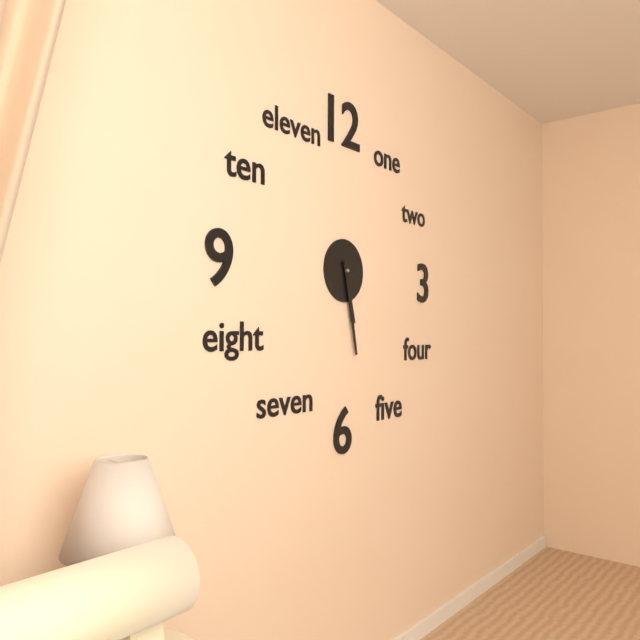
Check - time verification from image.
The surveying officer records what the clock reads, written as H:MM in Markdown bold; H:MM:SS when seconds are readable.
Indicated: **5:28**
